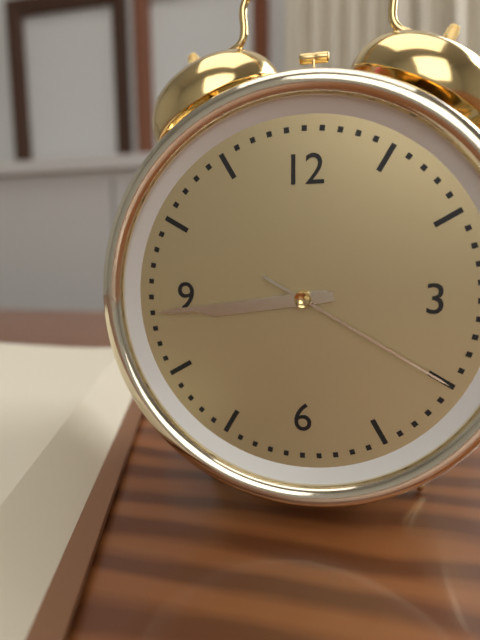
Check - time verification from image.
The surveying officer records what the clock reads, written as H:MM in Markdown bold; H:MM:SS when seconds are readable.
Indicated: **8:44:20**
